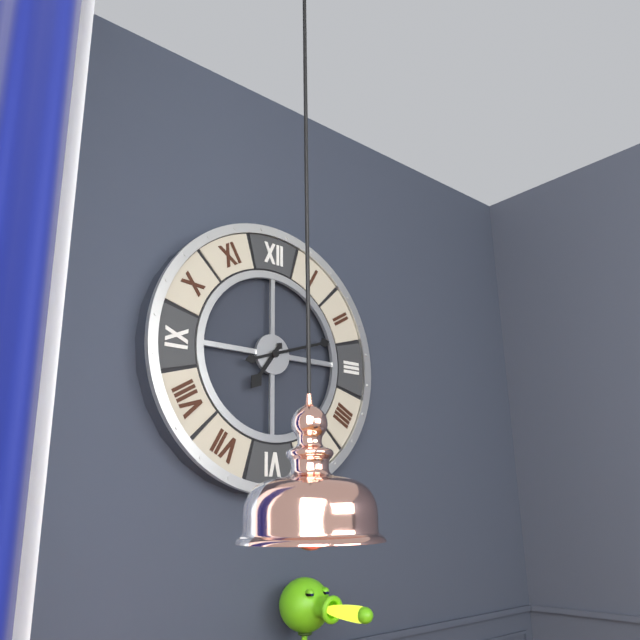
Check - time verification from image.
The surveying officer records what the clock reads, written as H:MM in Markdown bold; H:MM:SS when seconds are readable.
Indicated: **7:12**
